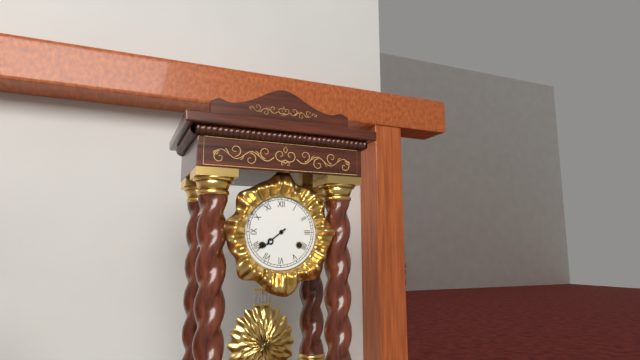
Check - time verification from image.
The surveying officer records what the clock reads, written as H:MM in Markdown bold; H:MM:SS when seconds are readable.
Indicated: **7:39**
